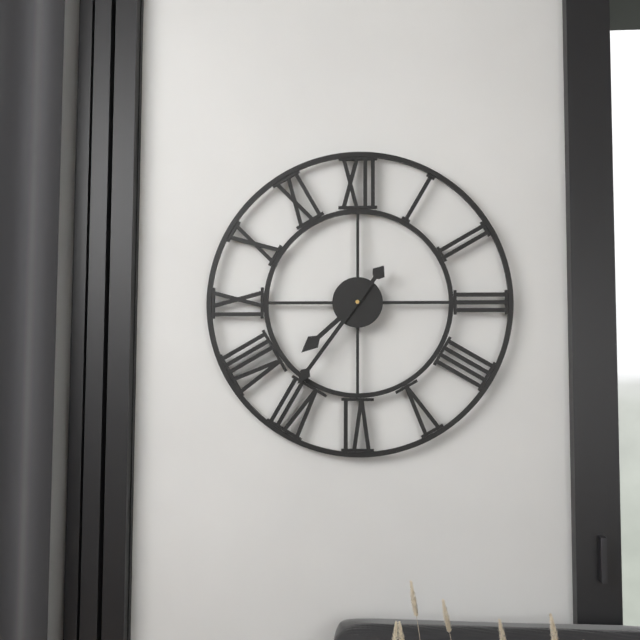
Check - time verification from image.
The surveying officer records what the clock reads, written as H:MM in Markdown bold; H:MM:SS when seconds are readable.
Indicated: **7:36**
